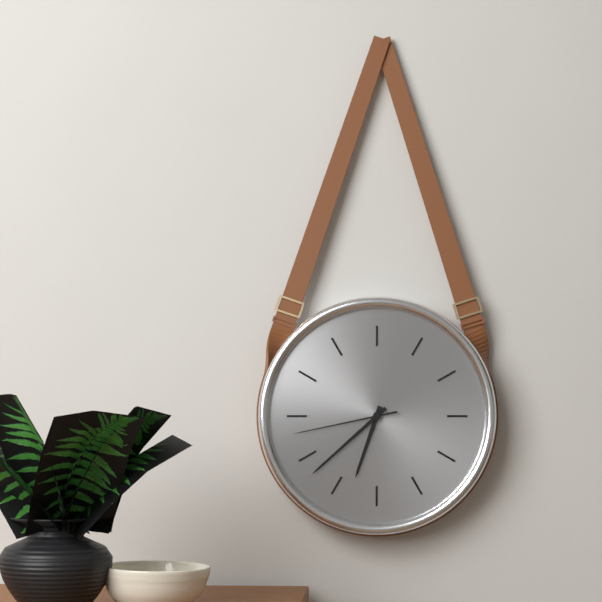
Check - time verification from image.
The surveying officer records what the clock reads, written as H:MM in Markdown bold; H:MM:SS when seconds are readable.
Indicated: **6:38:43**
